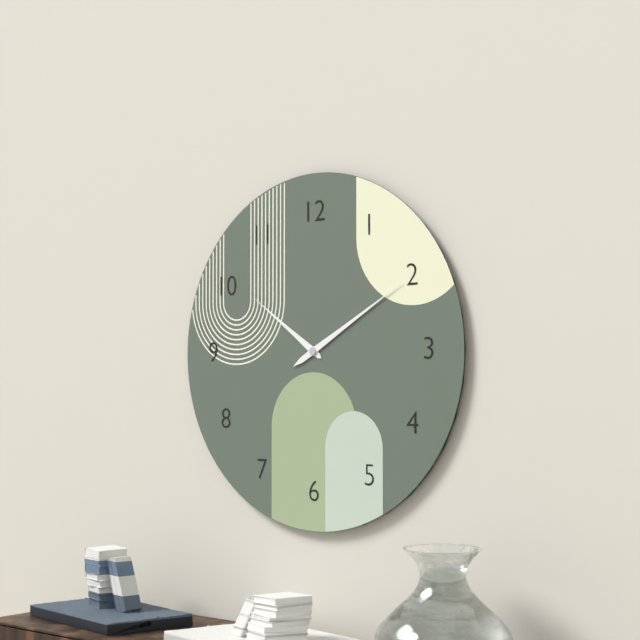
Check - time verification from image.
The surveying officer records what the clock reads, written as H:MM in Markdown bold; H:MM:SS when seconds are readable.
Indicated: **10:10**
